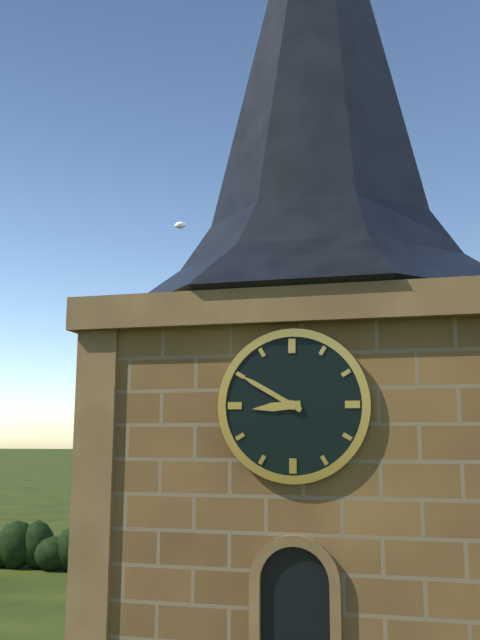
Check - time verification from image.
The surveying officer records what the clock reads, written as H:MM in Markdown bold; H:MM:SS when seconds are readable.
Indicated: **8:50**
